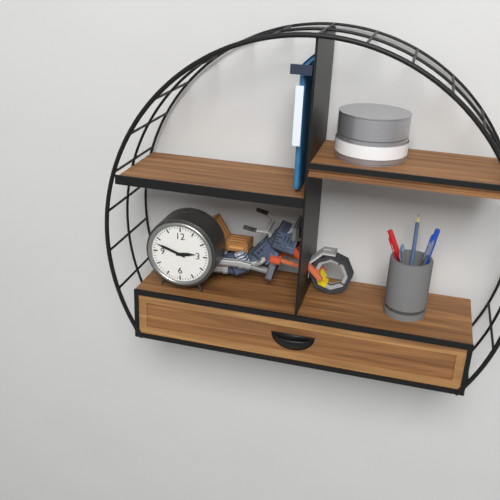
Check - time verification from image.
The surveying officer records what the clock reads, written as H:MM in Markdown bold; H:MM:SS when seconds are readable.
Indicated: **2:48**
